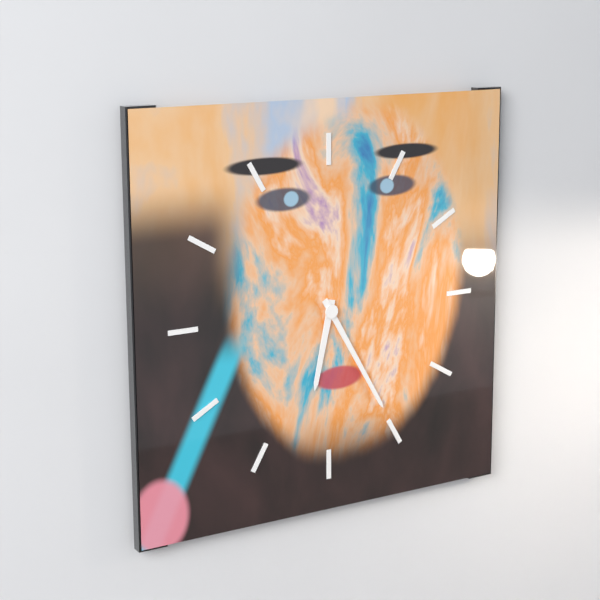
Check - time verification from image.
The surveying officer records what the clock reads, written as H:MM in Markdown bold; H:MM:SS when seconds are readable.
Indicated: **6:25**
